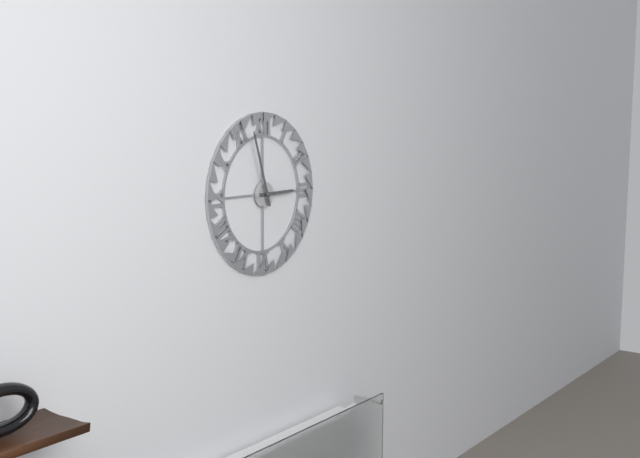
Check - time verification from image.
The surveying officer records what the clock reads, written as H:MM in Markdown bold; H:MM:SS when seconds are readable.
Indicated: **2:57**
